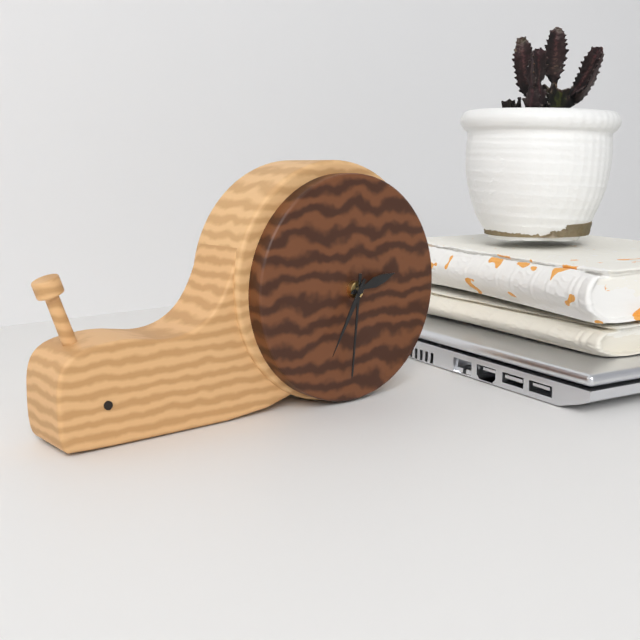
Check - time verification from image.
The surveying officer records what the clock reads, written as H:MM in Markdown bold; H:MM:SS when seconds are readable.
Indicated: **2:31:35**
